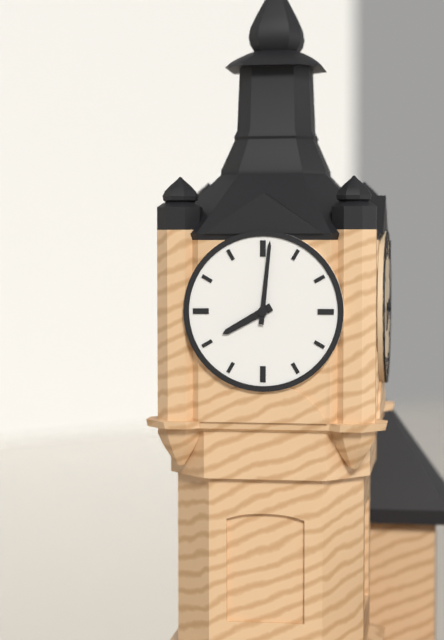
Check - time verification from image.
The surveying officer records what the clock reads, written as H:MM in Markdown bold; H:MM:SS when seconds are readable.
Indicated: **8:01**
